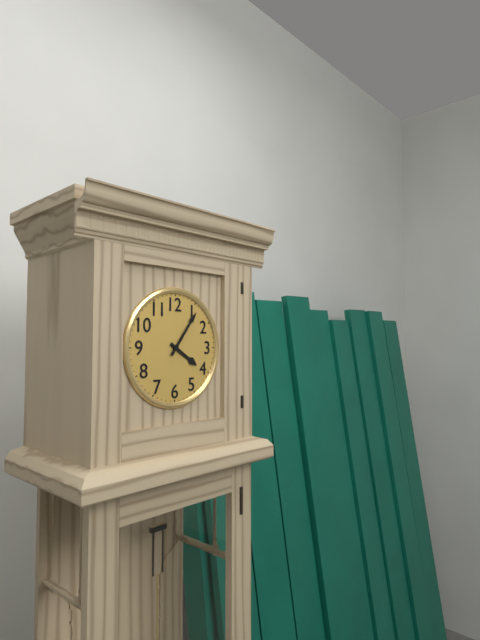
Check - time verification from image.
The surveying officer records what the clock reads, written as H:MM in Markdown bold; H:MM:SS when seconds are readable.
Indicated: **4:06**
